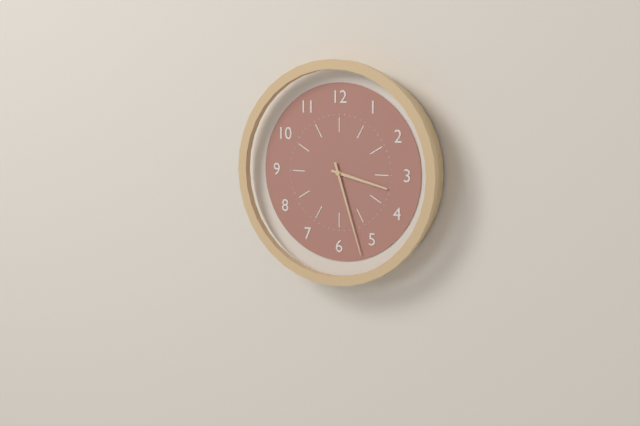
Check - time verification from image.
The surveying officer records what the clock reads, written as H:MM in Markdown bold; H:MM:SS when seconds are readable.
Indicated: **3:27**
